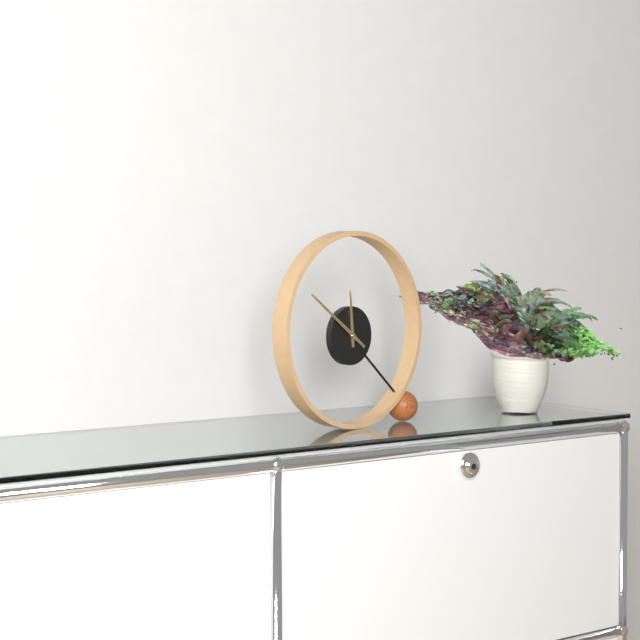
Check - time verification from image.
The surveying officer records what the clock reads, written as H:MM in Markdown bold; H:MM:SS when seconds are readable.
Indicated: **11:51**
